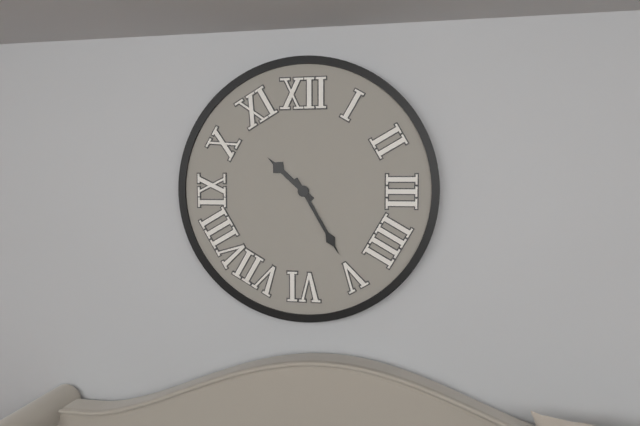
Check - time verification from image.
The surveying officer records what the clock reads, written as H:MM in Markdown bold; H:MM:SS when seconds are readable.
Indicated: **10:25**
